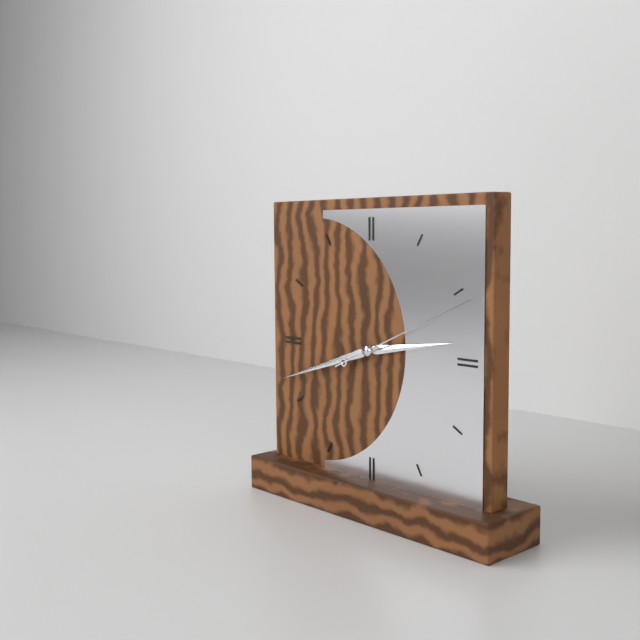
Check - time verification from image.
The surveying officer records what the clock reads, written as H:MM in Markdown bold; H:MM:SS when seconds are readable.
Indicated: **2:42:11**
